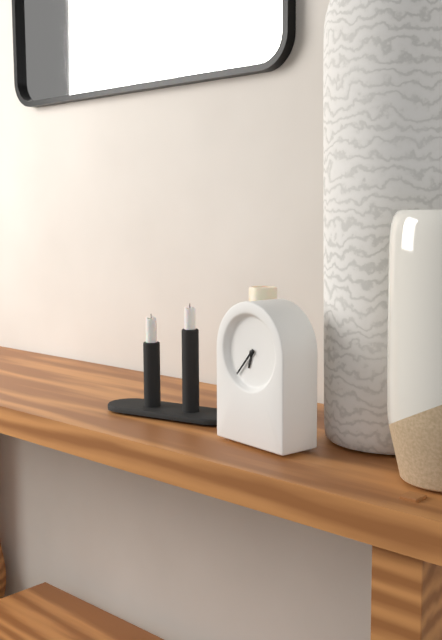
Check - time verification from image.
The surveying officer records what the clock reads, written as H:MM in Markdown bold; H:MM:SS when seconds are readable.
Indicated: **6:37**
